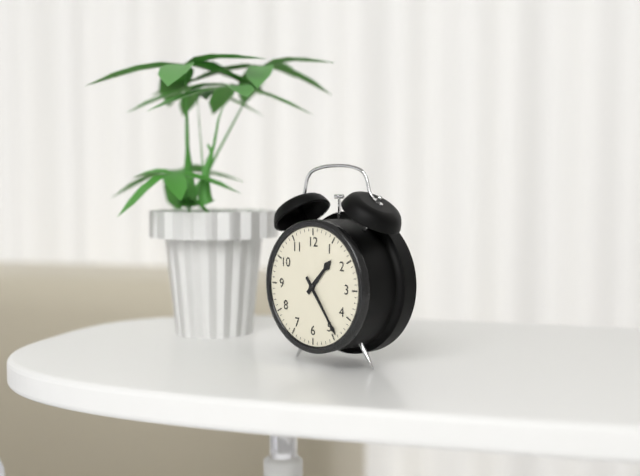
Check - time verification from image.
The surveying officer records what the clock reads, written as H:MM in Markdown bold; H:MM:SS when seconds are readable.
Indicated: **1:24**
